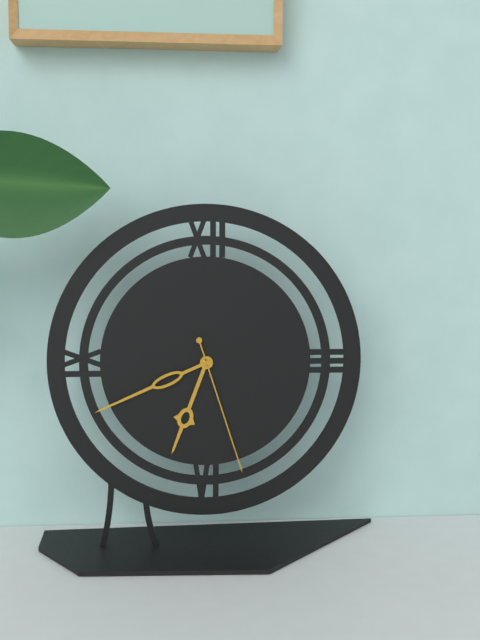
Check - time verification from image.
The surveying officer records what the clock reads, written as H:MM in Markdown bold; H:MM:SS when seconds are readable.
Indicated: **6:41:27**
